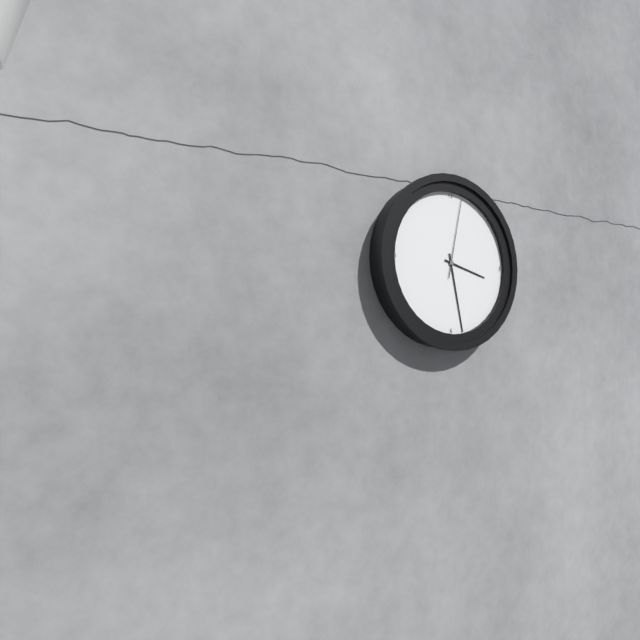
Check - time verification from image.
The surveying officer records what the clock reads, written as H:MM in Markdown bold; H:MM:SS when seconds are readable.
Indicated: **3:28:02**
